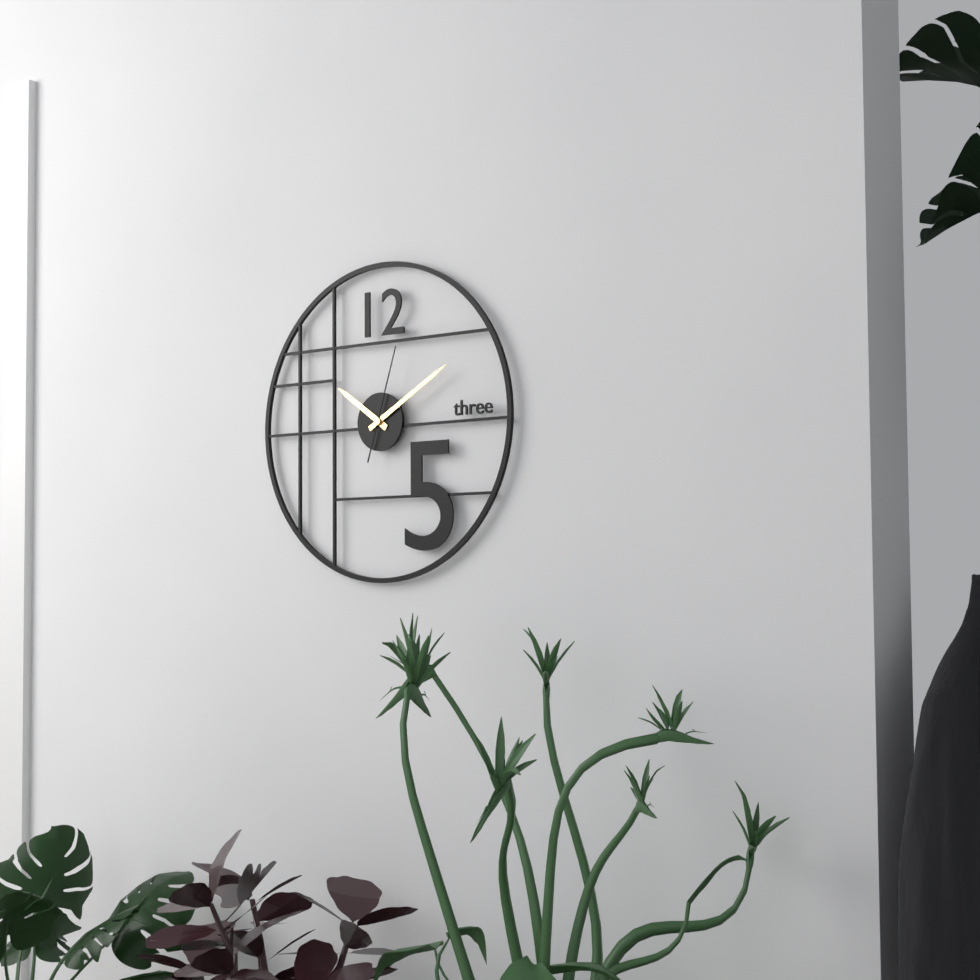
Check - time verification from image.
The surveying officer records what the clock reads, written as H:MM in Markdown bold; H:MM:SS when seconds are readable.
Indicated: **10:10:03**
